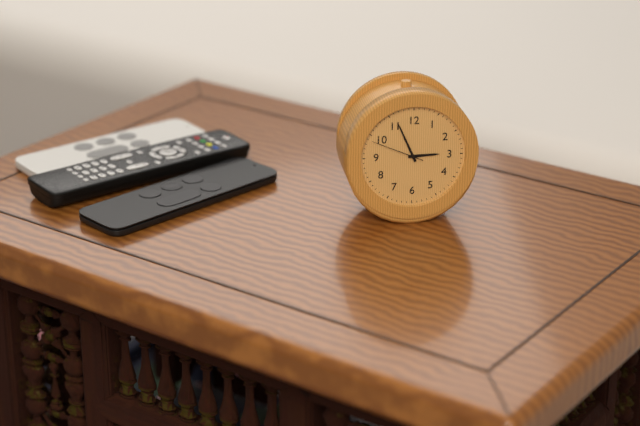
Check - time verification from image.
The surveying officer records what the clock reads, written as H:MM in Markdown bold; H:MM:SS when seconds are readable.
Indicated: **2:56:49**
